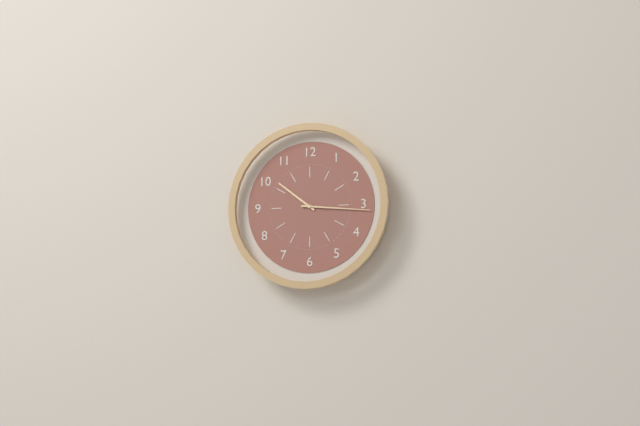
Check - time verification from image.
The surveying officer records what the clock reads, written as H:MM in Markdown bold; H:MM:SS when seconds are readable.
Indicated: **10:16**
